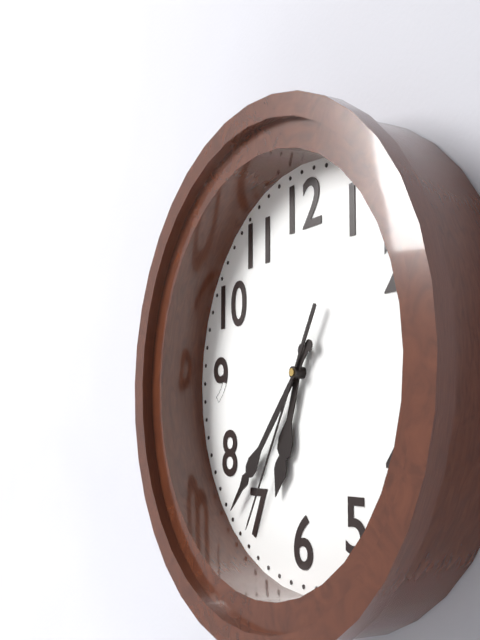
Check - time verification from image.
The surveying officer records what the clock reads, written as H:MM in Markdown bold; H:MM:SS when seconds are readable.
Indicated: **6:37:35**
